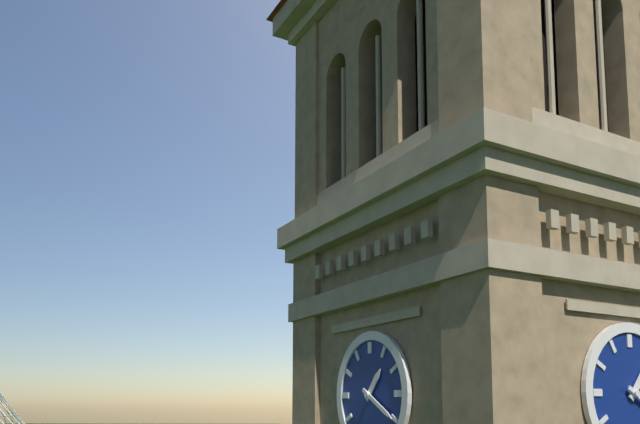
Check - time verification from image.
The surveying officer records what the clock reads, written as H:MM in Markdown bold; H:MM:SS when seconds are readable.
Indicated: **1:20**
